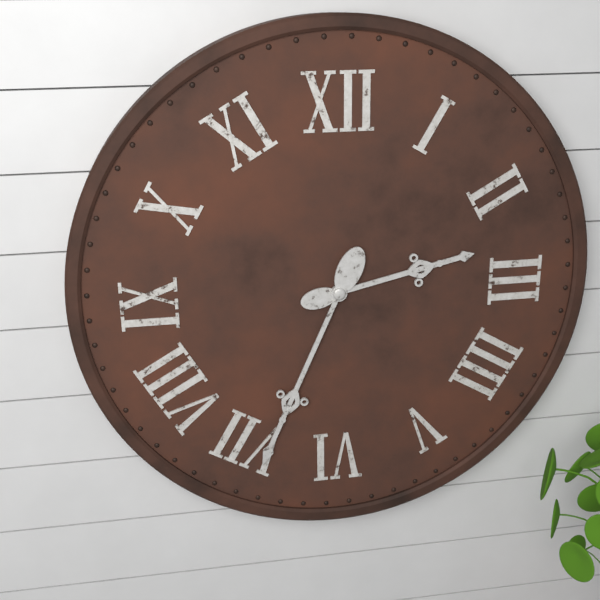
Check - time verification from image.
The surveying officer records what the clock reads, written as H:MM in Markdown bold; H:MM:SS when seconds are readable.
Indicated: **2:34**
